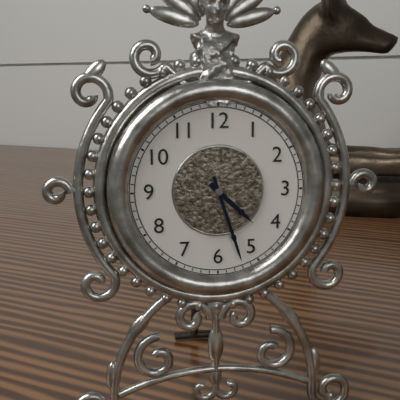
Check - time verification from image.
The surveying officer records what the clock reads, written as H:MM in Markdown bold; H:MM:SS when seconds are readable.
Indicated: **4:27**
